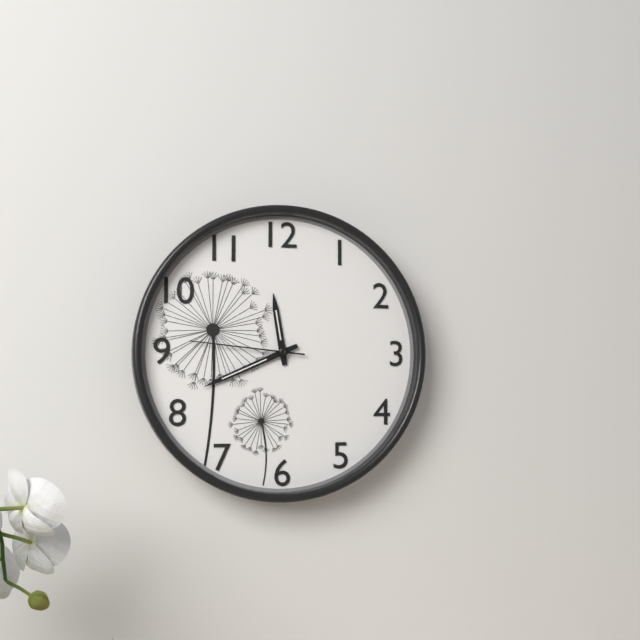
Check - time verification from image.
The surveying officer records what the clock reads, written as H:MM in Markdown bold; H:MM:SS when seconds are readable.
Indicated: **11:41:46**
